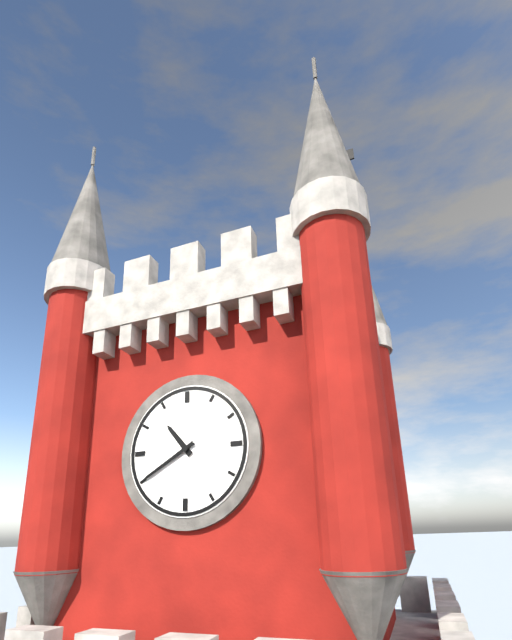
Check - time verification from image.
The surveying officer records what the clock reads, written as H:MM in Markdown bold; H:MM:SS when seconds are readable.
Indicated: **10:40**
